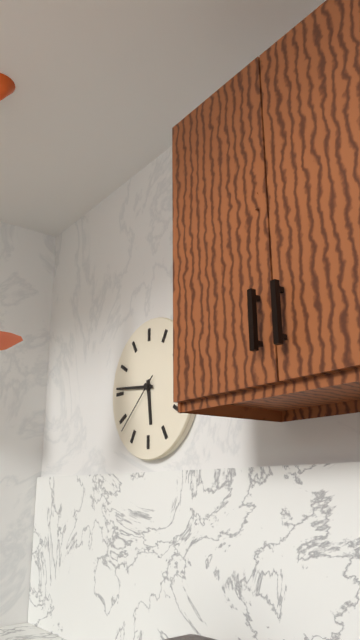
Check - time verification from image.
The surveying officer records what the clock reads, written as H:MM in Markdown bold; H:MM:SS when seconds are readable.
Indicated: **5:46:38**
